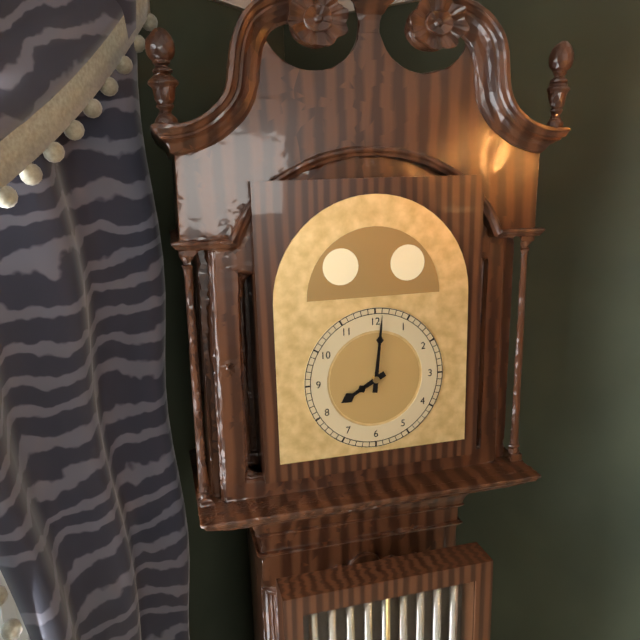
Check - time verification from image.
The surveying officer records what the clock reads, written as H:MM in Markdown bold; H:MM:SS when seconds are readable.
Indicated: **8:01**
